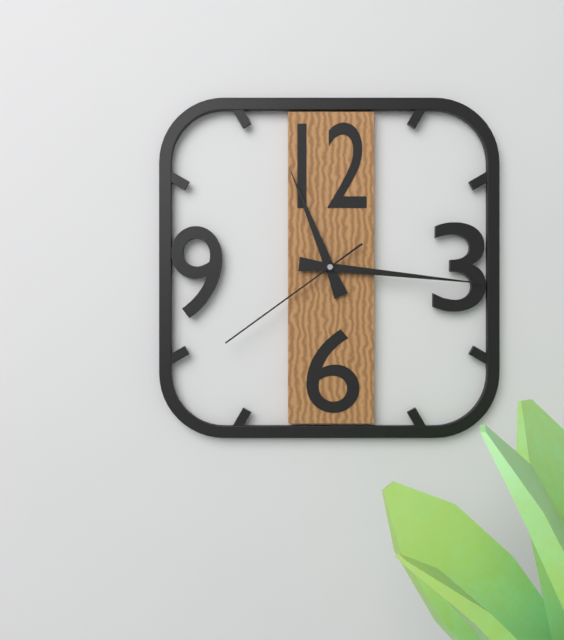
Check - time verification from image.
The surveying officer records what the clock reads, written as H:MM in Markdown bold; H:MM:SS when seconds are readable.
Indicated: **11:16:39**
